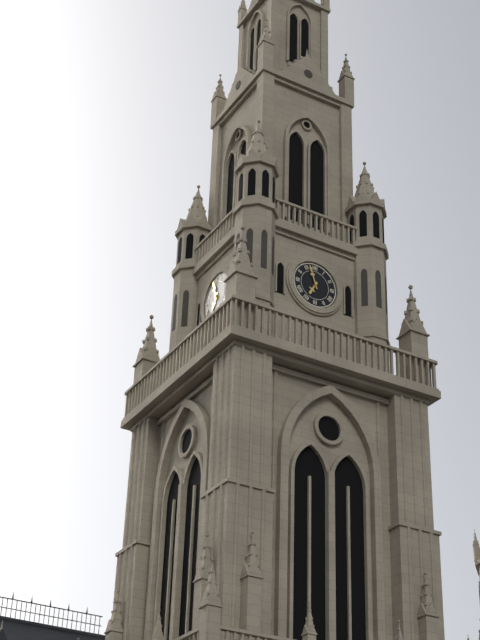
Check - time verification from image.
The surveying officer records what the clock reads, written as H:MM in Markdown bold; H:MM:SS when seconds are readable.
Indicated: **6:57**
